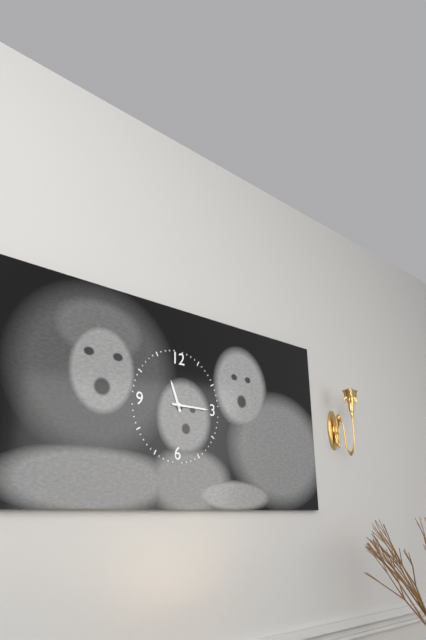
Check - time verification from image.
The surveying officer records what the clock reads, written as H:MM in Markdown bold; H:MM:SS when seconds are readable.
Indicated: **11:15**
